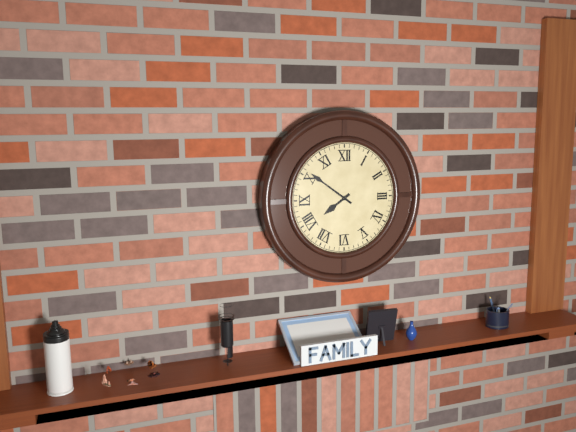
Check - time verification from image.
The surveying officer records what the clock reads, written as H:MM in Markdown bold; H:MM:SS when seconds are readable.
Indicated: **7:51**
